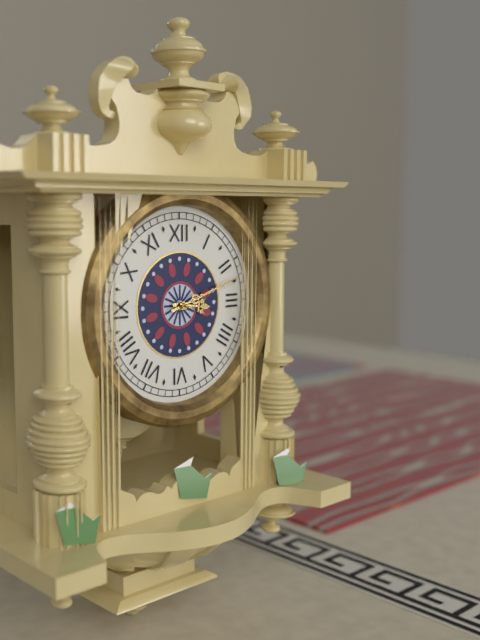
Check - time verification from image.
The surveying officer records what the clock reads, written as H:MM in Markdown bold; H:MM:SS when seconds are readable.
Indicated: **3:12**
